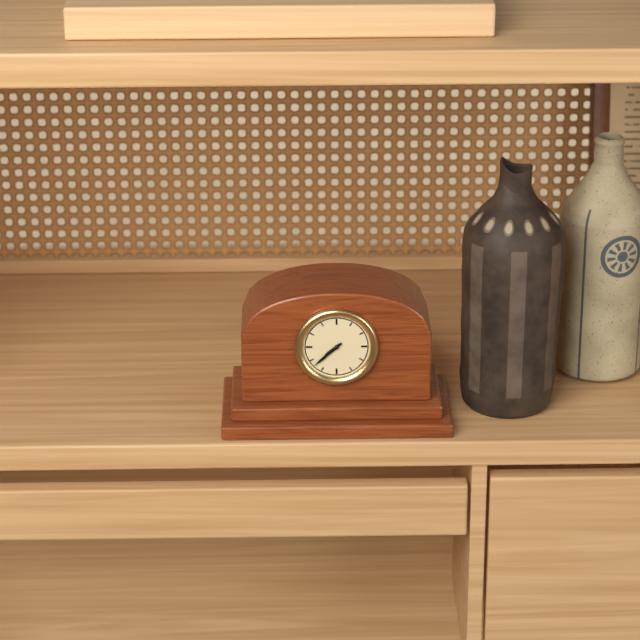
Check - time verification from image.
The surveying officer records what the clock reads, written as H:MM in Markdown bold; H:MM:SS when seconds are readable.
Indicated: **7:38**
